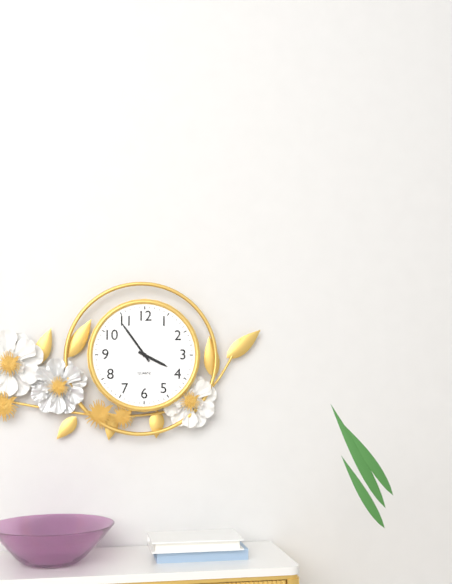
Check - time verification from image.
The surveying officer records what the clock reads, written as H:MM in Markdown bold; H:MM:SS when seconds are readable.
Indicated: **3:54**
